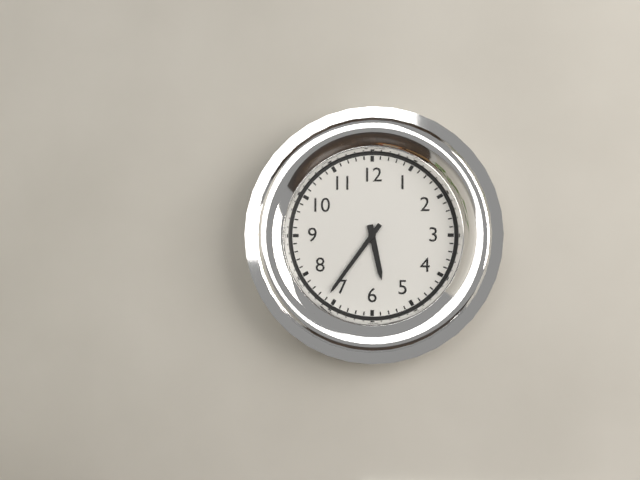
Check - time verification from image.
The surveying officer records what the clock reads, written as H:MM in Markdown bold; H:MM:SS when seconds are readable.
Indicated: **5:36**
